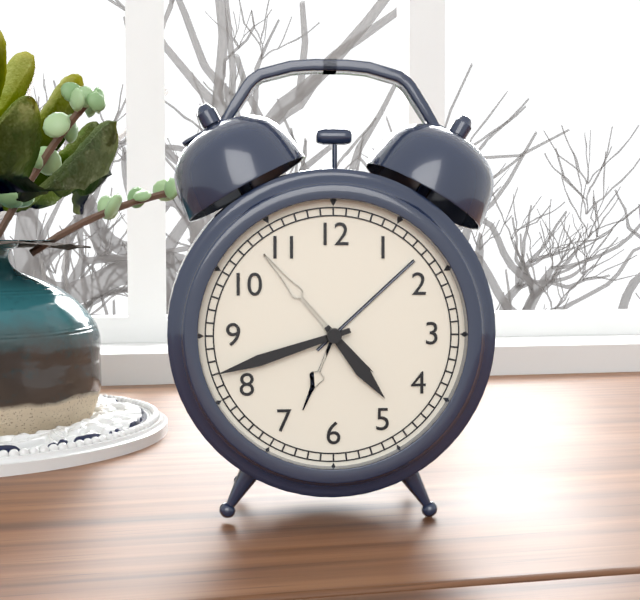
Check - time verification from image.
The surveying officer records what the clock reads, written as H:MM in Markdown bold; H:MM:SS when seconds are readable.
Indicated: **4:42**
